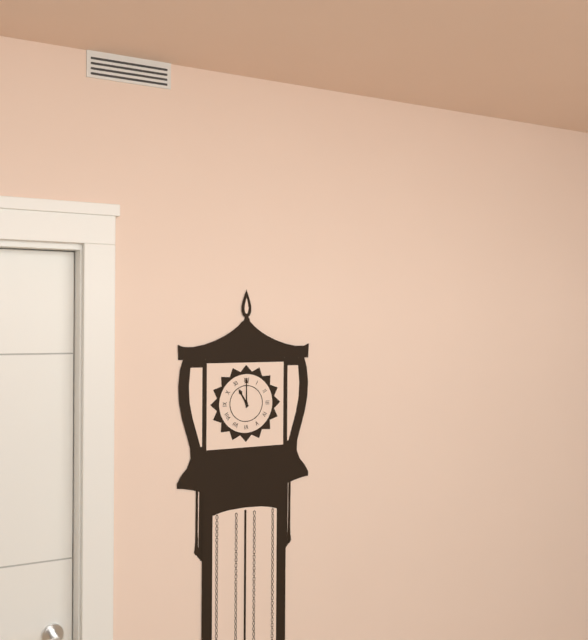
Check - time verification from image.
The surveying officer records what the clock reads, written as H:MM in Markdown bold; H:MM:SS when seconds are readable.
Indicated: **11:00**
